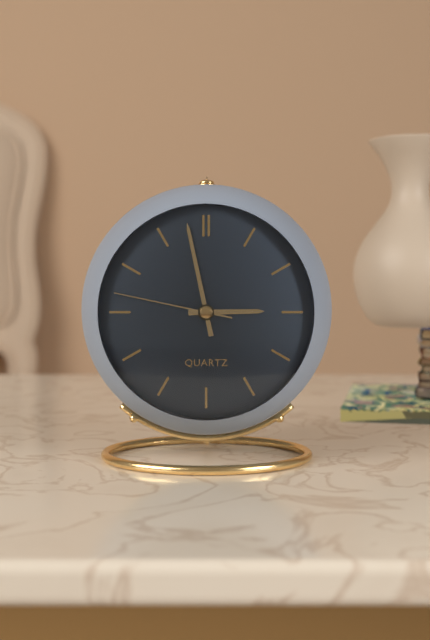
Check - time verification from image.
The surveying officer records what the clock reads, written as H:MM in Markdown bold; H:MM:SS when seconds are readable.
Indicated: **2:58:47**
